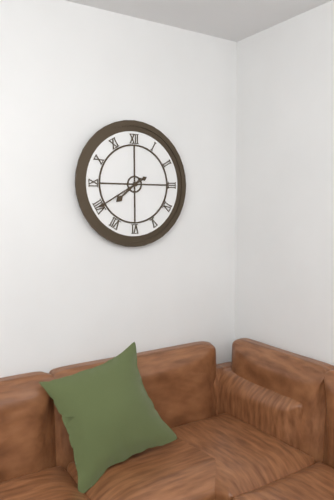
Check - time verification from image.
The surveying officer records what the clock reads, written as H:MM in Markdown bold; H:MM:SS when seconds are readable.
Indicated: **7:40**
